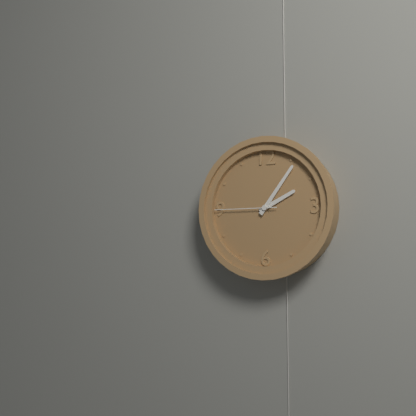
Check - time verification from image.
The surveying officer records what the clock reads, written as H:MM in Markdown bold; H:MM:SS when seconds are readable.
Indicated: **2:06:45**
